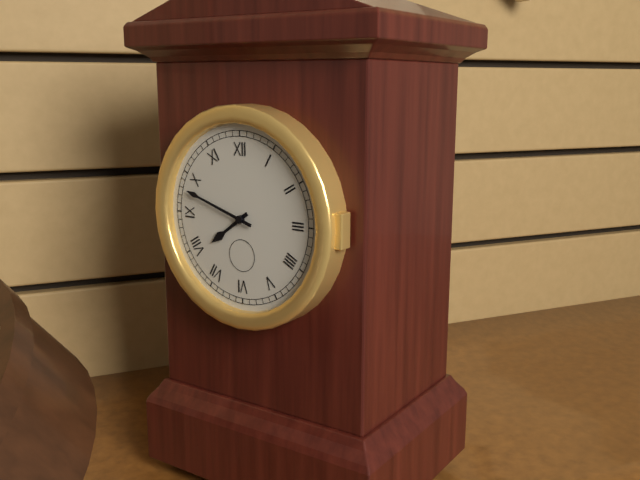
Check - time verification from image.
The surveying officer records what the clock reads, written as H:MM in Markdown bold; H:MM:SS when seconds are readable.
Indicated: **7:48**
